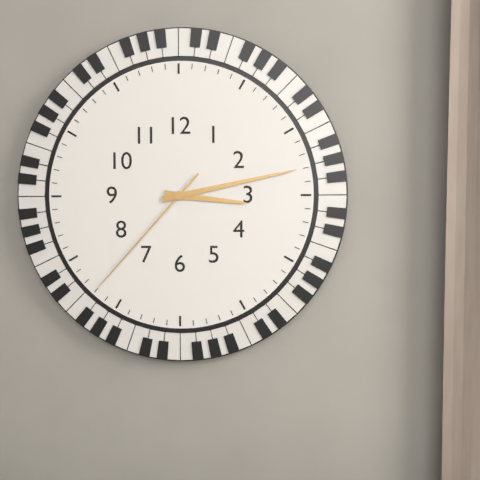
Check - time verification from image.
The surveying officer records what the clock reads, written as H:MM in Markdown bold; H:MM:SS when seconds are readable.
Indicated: **3:13:37**
